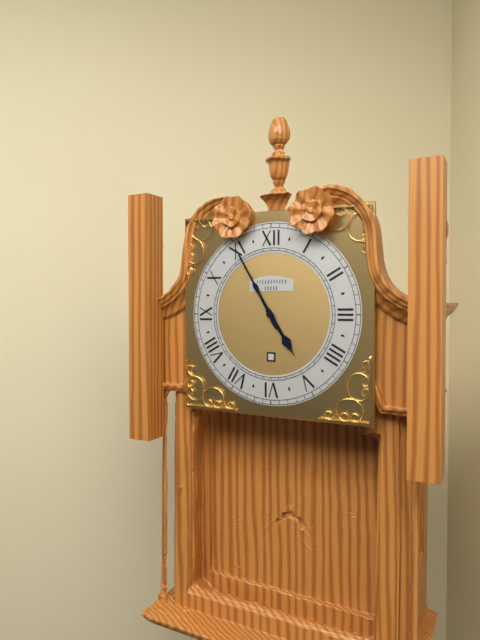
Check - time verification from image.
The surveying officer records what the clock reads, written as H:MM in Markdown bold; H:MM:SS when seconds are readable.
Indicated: **4:55**
